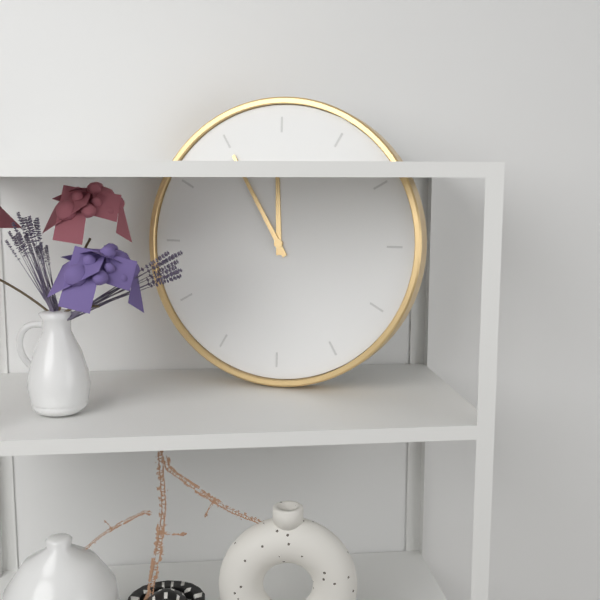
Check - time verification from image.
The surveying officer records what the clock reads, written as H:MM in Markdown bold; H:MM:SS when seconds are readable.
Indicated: **11:55**
